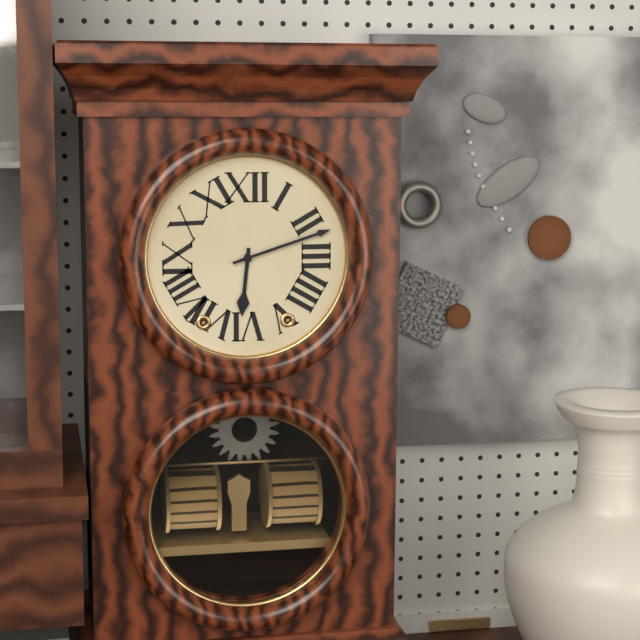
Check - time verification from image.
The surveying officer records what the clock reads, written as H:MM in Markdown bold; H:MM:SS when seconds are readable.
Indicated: **6:12**
